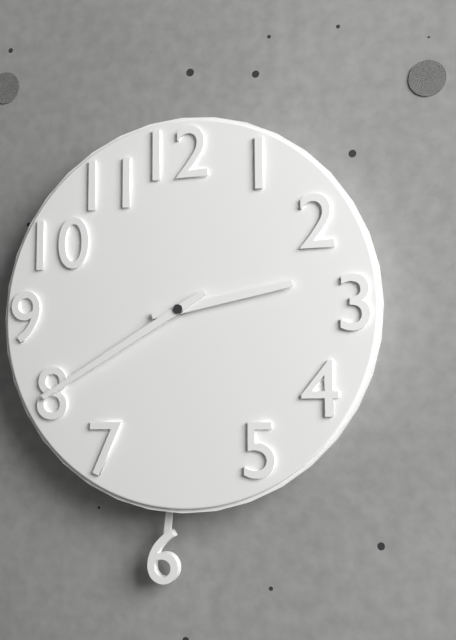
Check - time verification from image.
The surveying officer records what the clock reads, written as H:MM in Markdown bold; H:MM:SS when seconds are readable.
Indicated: **2:40**
